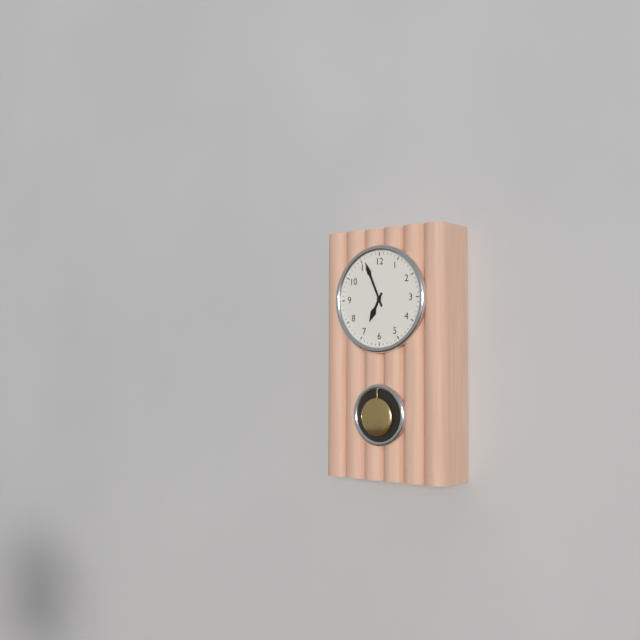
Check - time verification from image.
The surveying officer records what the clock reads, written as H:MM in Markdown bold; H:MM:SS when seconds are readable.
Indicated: **6:56**
